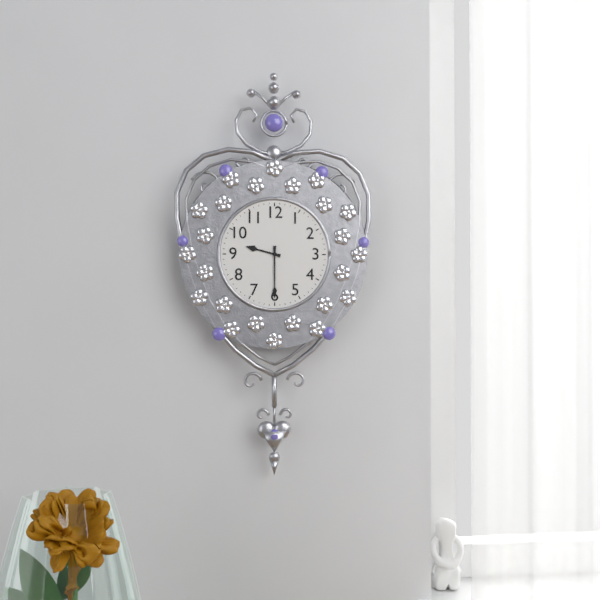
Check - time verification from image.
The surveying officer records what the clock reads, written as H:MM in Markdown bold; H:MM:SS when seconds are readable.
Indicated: **9:30**
